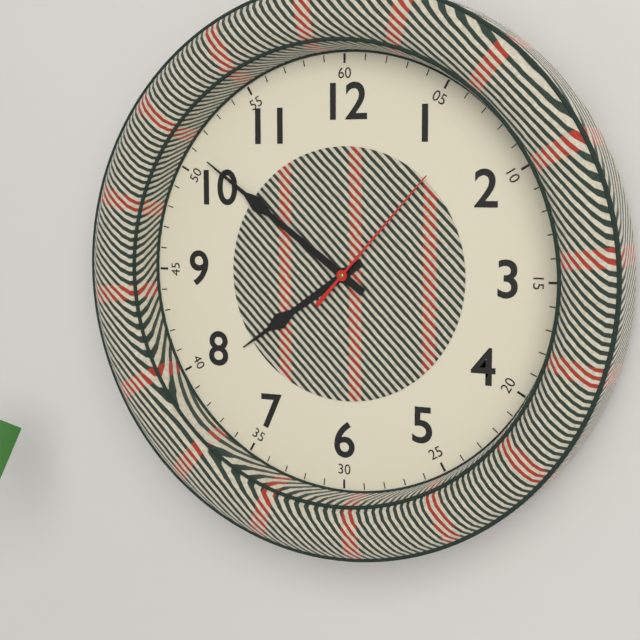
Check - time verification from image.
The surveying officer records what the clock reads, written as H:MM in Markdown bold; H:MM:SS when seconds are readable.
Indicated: **7:51:07**
